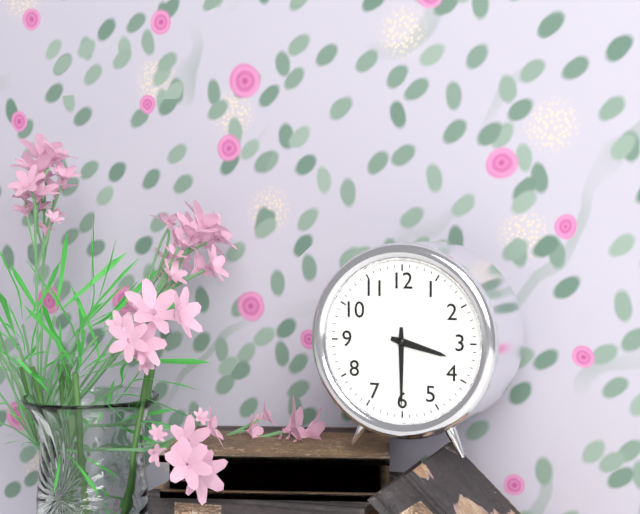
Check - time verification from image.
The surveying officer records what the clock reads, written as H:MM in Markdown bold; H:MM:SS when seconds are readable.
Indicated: **3:30**
